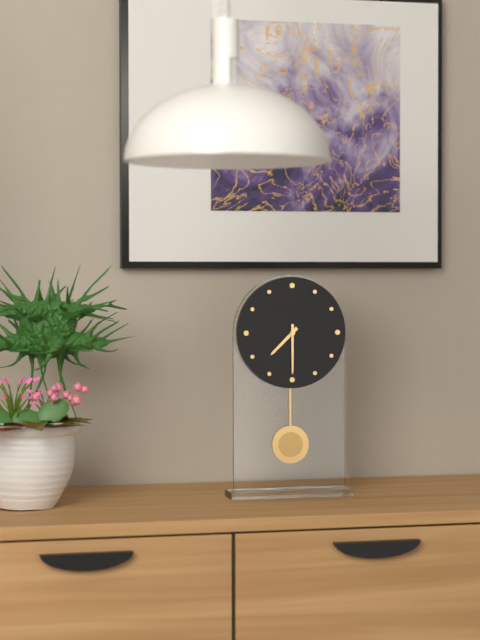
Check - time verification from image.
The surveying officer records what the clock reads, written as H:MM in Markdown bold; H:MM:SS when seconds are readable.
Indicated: **7:30**
